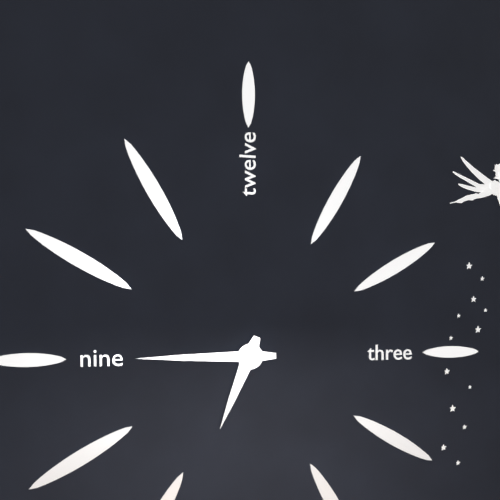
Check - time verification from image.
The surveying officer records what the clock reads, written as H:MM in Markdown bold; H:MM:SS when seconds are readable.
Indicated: **6:45**
